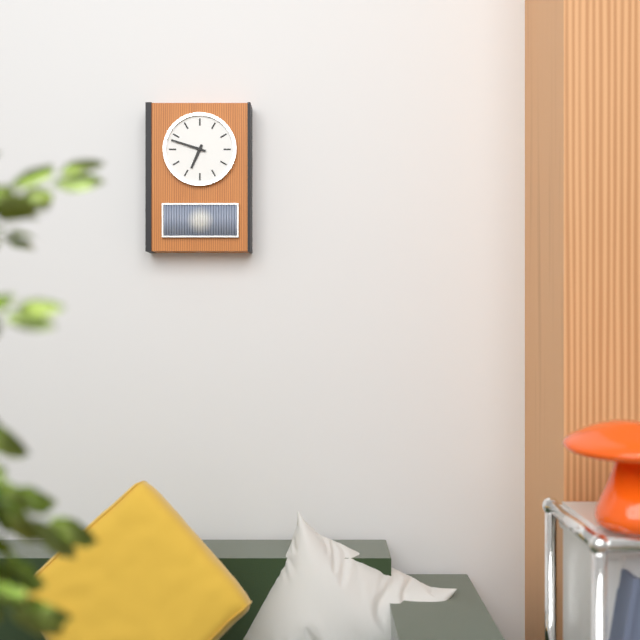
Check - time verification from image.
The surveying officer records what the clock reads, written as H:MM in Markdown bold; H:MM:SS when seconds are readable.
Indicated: **6:48**
